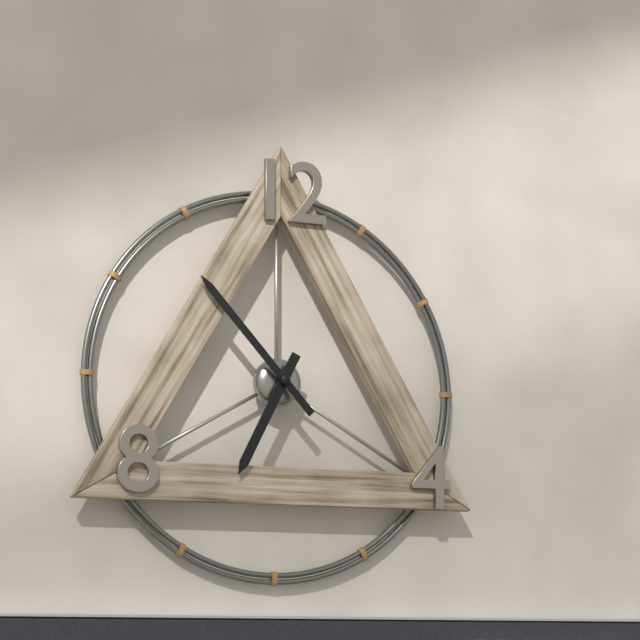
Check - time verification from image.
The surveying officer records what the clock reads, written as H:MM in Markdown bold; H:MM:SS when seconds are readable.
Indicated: **6:53**
